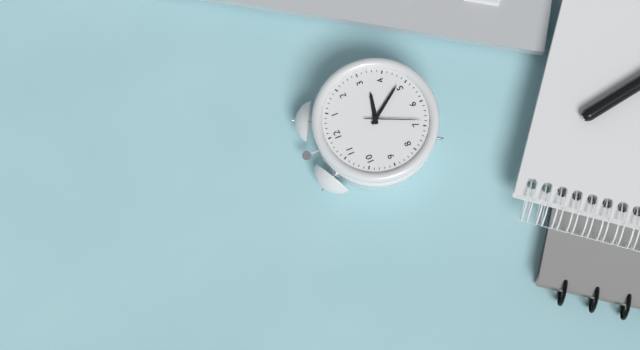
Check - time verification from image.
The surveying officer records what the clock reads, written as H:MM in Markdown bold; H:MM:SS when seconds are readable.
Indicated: **3:24:34**
